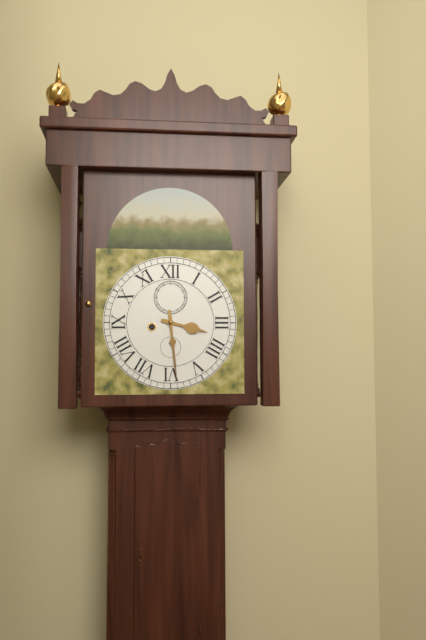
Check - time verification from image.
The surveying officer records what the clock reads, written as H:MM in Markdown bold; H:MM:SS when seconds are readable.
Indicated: **3:29**
